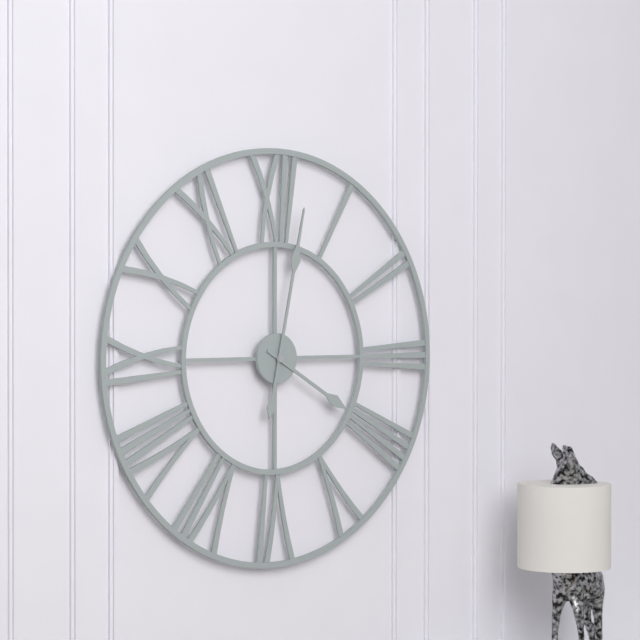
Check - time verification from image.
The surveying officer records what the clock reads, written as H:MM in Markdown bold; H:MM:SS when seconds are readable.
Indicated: **4:02**
